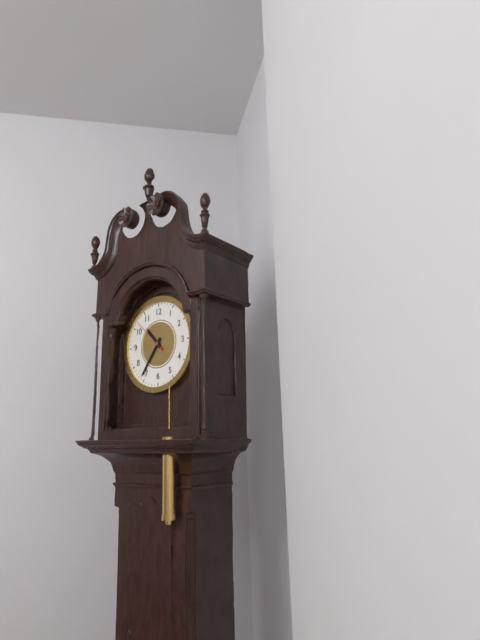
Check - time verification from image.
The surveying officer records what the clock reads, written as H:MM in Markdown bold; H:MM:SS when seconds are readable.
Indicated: **10:36**
